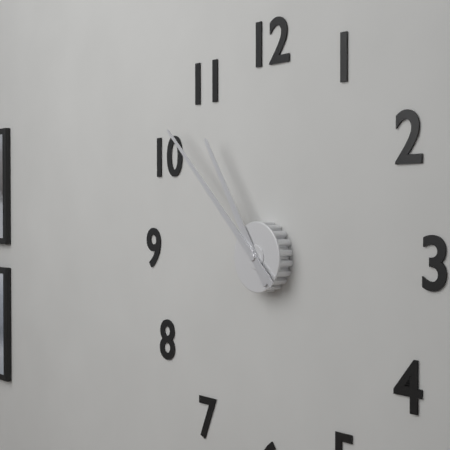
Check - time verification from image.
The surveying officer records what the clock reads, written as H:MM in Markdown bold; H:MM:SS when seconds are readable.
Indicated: **10:52**
